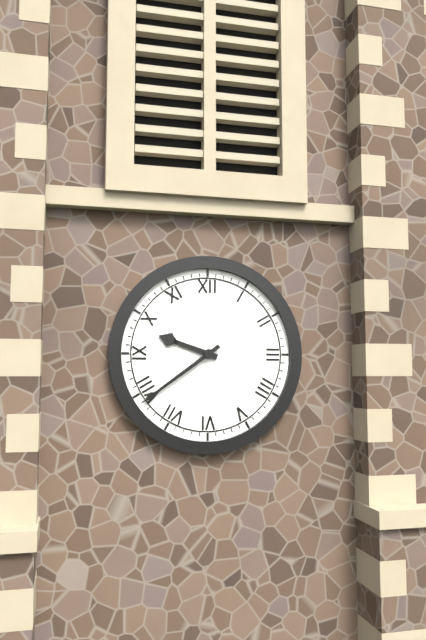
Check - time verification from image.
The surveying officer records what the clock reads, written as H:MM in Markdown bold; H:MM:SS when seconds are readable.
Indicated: **9:39**
